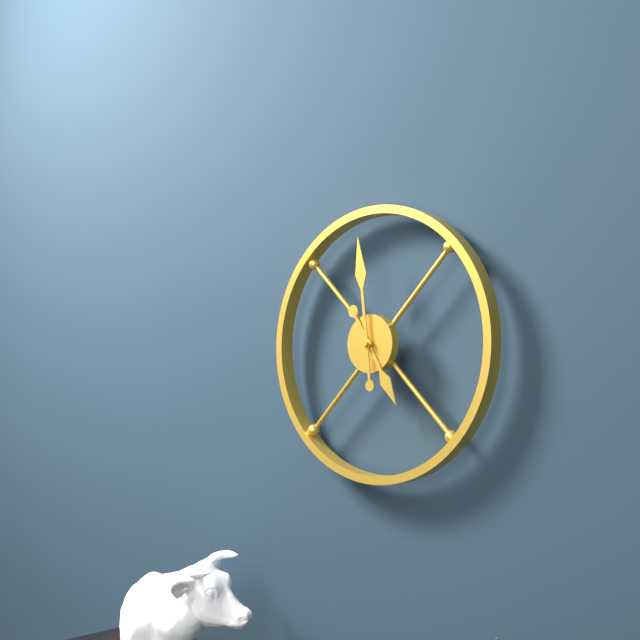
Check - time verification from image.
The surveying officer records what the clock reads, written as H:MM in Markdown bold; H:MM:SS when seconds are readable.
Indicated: **4:59**
